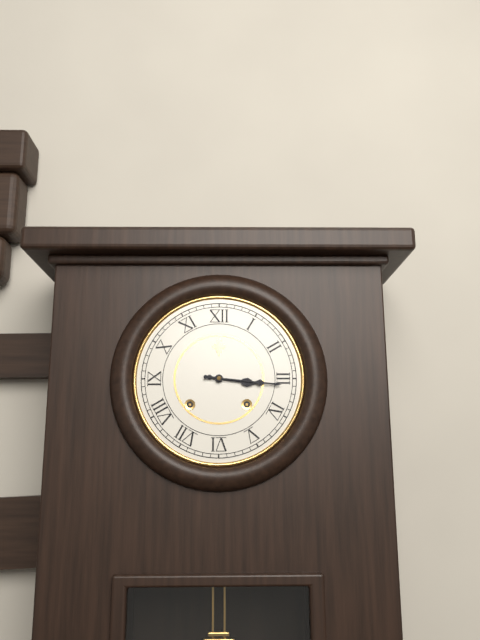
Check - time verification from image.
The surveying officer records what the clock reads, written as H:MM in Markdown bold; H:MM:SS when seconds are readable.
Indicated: **3:16**
